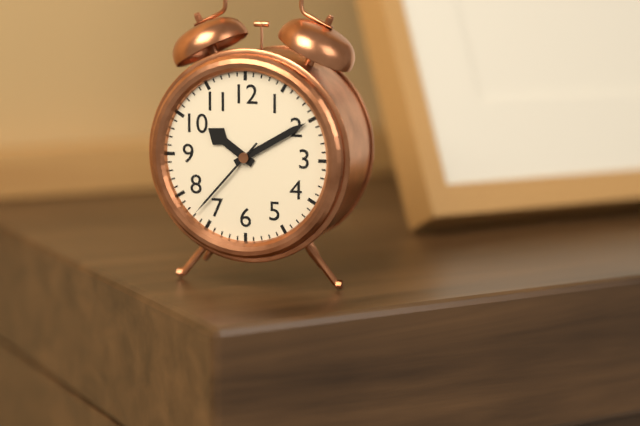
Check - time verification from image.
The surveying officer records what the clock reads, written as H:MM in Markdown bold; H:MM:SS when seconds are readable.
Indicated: **10:10:37**
